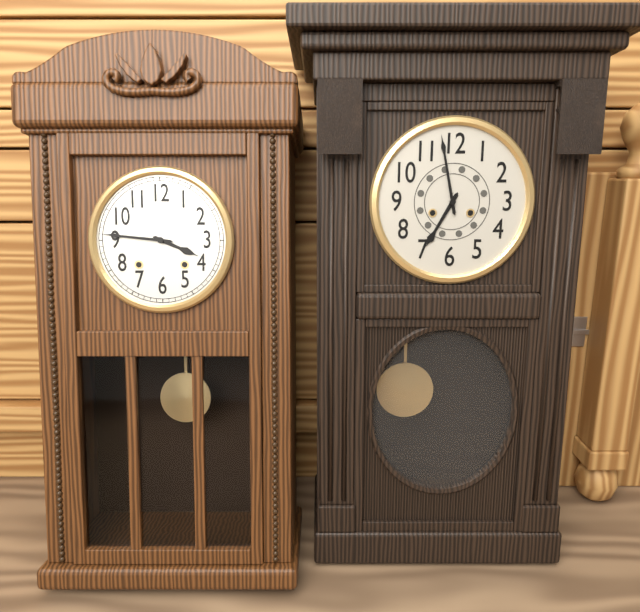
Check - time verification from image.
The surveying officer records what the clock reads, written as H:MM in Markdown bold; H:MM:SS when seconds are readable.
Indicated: **3:46**
